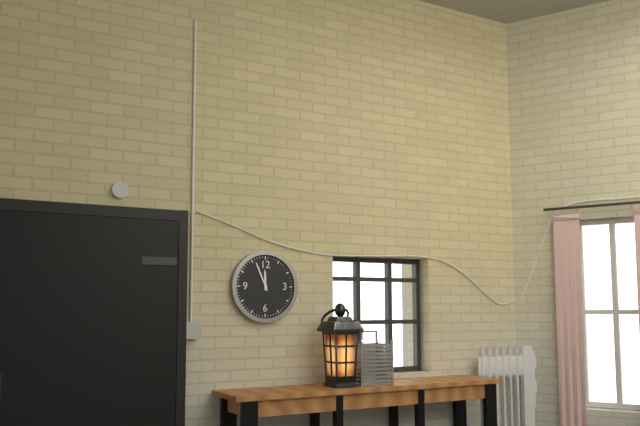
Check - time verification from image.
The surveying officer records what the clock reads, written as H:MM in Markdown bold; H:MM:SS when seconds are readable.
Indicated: **11:56**
